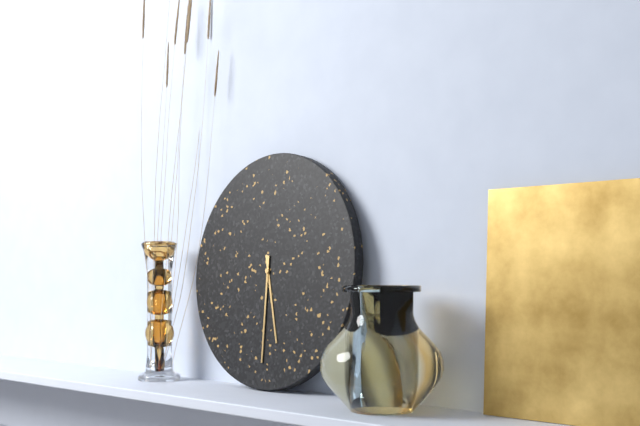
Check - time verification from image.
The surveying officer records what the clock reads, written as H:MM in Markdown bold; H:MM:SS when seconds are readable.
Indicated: **5:30**
